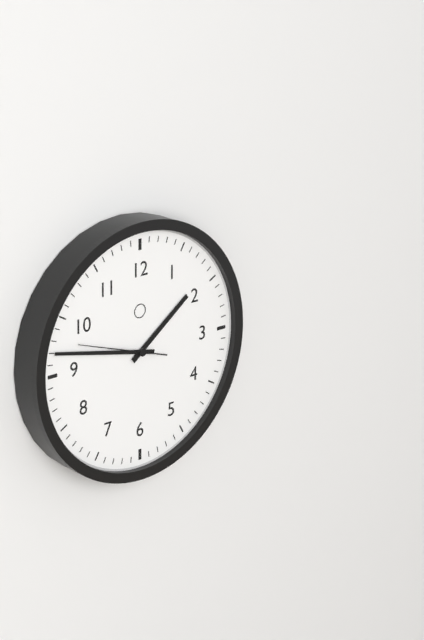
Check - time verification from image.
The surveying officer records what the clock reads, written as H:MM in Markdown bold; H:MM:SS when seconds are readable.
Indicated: **1:47:48**
